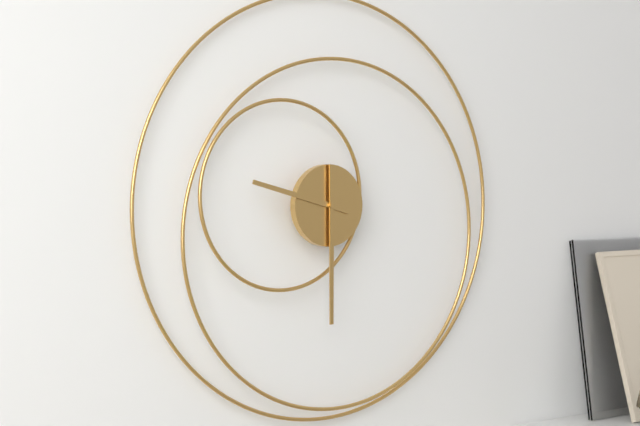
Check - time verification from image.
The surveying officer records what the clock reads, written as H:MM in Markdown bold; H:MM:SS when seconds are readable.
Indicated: **9:30**
